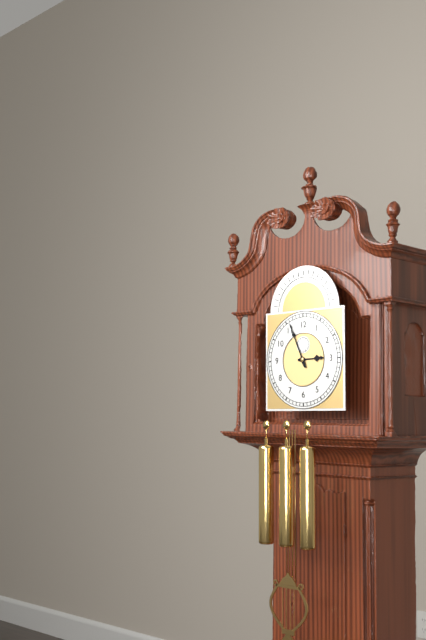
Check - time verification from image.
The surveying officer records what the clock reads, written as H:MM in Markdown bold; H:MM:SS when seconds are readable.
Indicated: **2:56**
